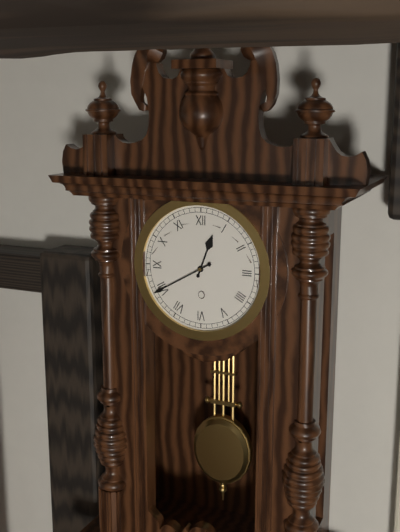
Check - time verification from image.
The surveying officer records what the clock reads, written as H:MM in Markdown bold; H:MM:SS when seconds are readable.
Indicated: **12:40**
